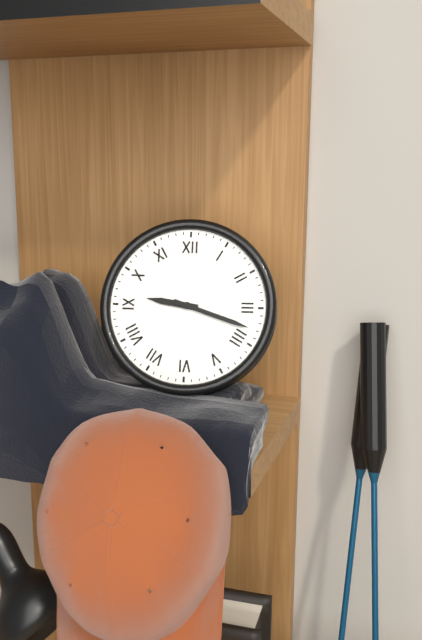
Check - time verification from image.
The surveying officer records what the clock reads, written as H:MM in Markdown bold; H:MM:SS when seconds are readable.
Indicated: **9:18**
